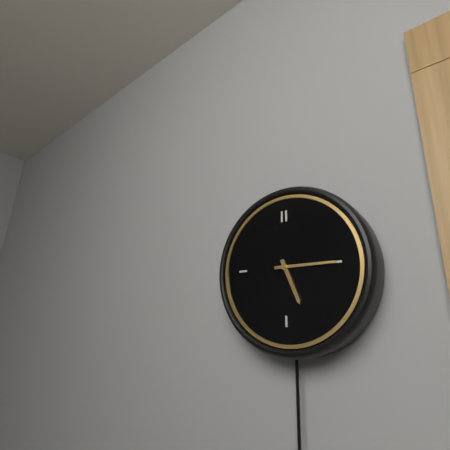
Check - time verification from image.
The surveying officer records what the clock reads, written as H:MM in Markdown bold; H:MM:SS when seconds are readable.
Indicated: **5:15**
